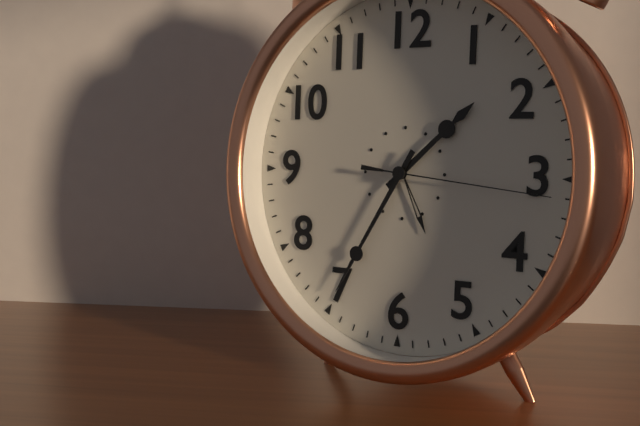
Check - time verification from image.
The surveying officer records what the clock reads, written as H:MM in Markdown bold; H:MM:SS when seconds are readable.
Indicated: **1:35:16**
